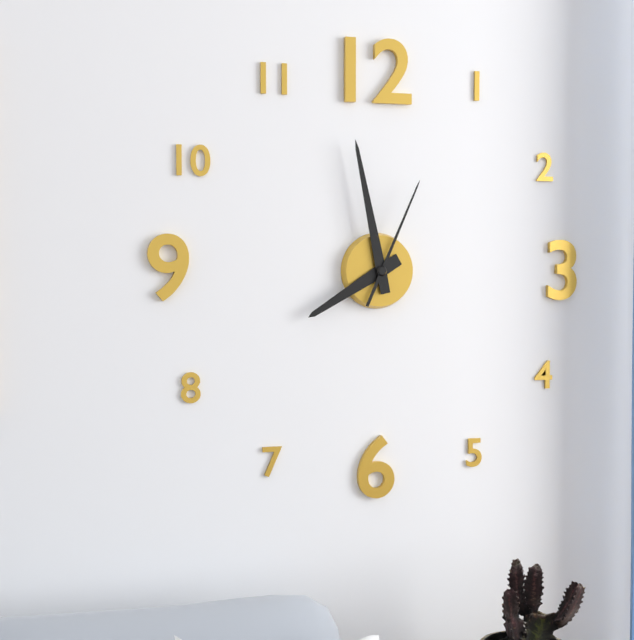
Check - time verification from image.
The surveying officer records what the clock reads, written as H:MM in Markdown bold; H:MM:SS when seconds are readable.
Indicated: **7:58:04**
